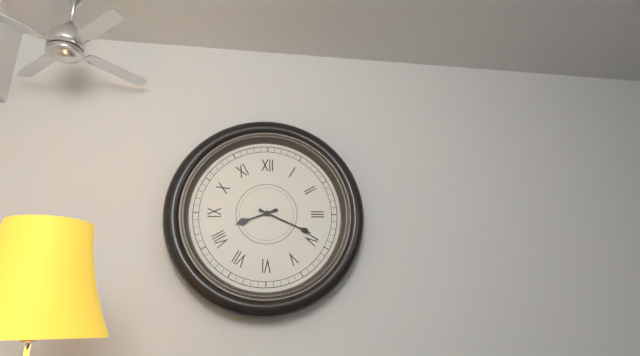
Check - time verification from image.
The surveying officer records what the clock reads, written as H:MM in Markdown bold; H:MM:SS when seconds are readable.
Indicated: **8:19**
